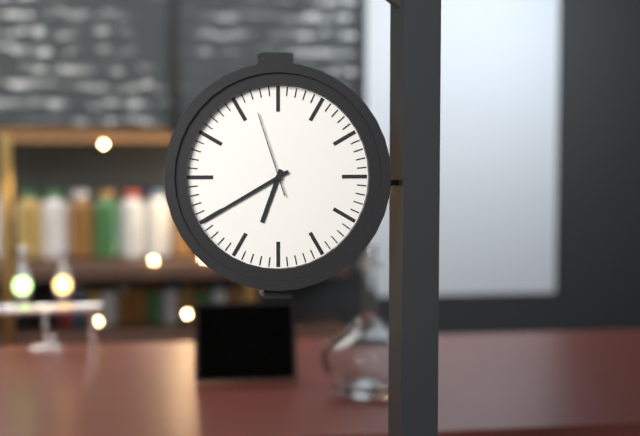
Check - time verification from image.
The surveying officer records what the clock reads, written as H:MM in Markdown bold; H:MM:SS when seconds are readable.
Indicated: **6:40:57**
